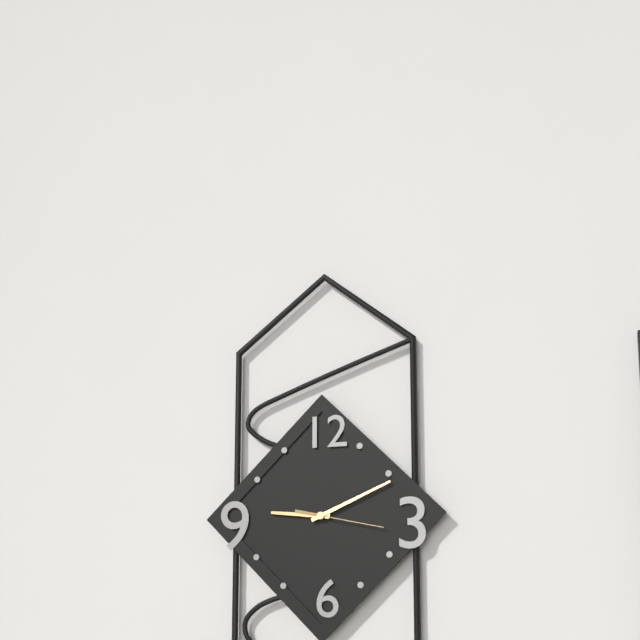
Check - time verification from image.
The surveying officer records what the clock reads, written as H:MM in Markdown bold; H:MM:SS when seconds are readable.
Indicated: **9:11:17**
